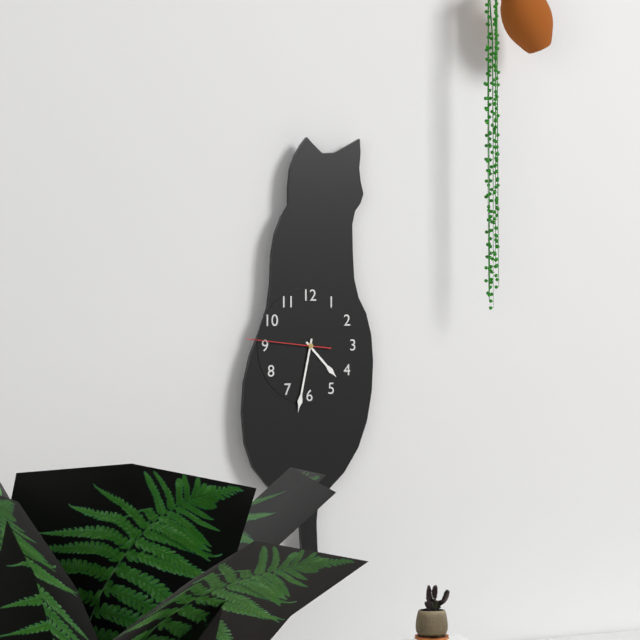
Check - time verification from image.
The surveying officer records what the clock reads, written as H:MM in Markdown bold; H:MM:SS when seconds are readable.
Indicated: **4:32:46**
